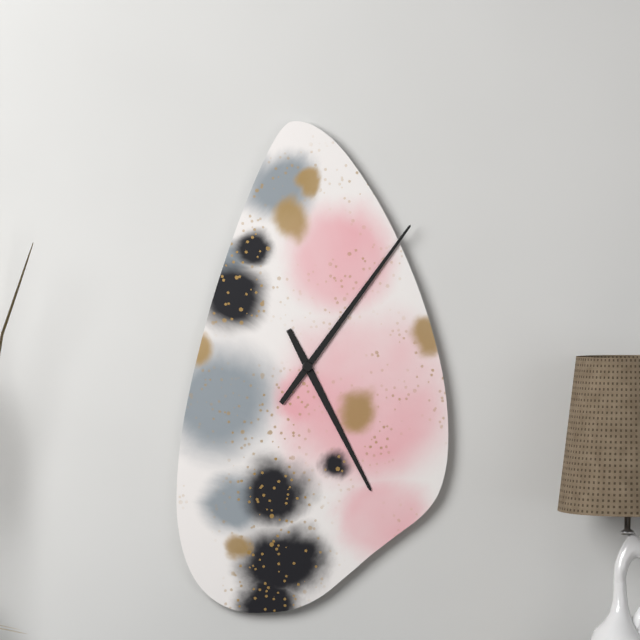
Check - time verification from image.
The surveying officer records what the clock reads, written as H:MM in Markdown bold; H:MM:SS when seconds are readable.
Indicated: **5:06**
